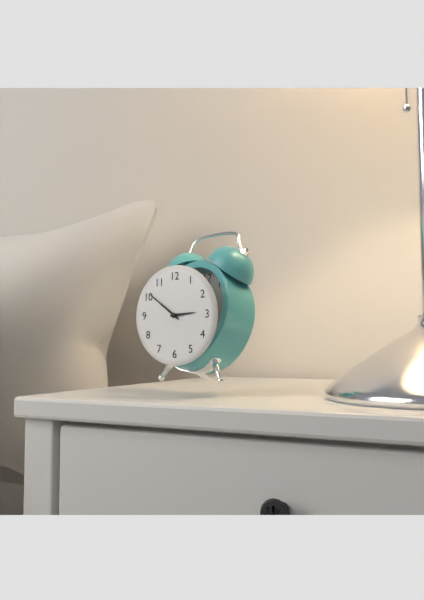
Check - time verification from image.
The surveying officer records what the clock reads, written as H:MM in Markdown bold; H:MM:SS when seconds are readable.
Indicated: **2:51**
